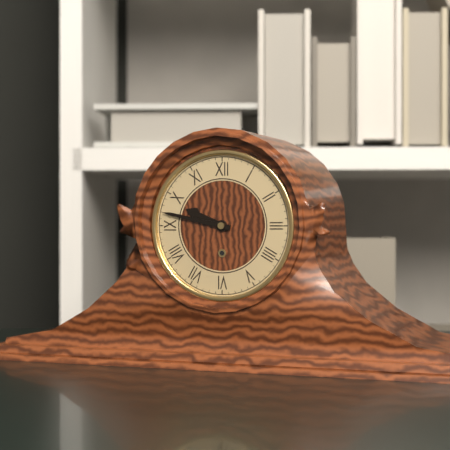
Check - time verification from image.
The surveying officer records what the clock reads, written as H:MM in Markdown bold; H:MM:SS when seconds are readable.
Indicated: **9:47**
